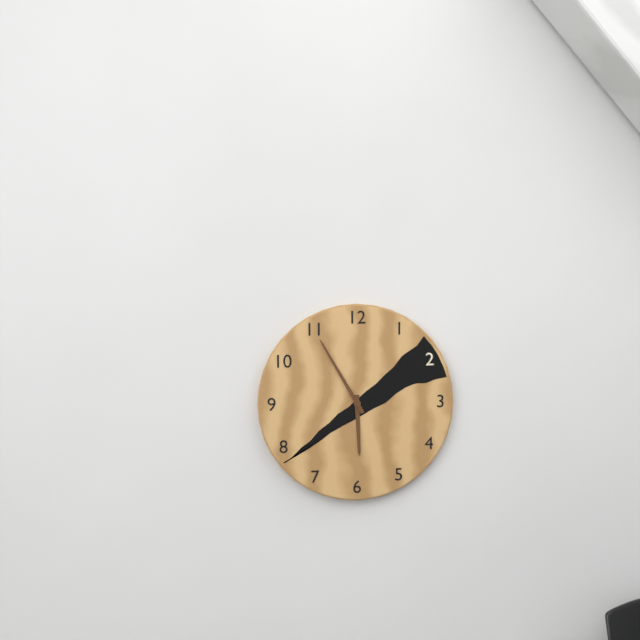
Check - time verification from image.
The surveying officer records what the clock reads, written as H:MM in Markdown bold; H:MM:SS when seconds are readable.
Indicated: **5:55**
